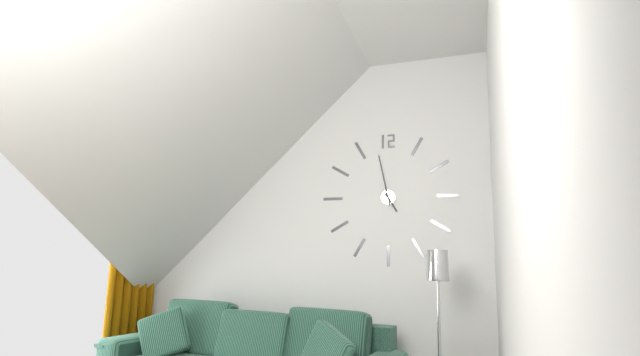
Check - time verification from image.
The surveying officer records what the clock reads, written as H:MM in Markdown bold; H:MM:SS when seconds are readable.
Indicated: **4:58**
